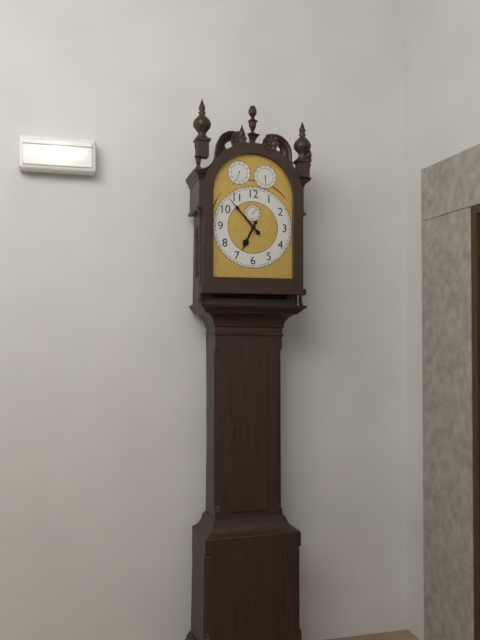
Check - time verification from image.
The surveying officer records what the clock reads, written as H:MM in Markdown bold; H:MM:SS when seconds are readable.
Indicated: **6:53**
